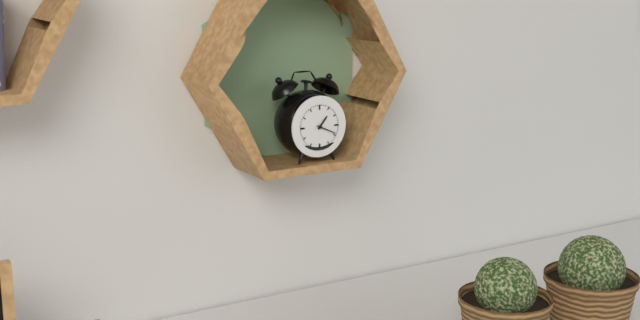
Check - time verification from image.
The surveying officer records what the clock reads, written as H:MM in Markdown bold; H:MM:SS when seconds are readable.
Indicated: **1:19**
